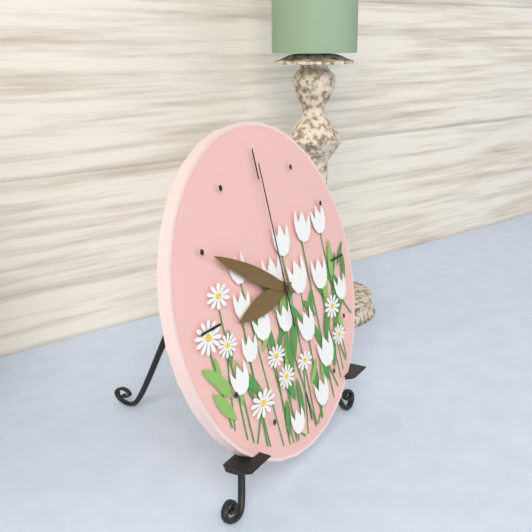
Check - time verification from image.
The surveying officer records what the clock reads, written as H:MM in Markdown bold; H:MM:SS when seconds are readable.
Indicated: **8:50:00**
